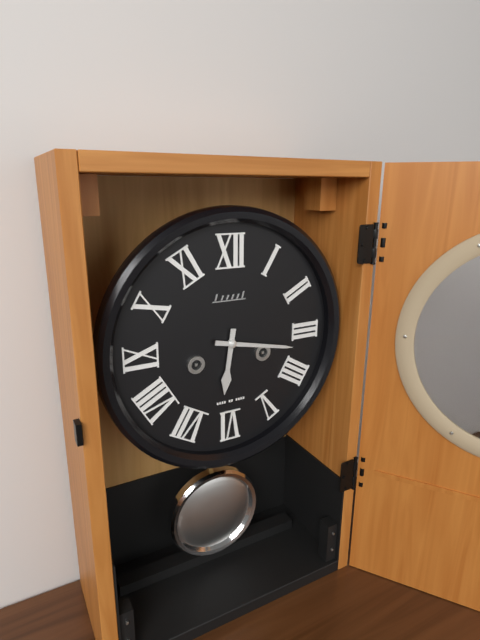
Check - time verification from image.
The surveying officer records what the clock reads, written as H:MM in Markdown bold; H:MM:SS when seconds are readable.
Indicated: **6:17**
